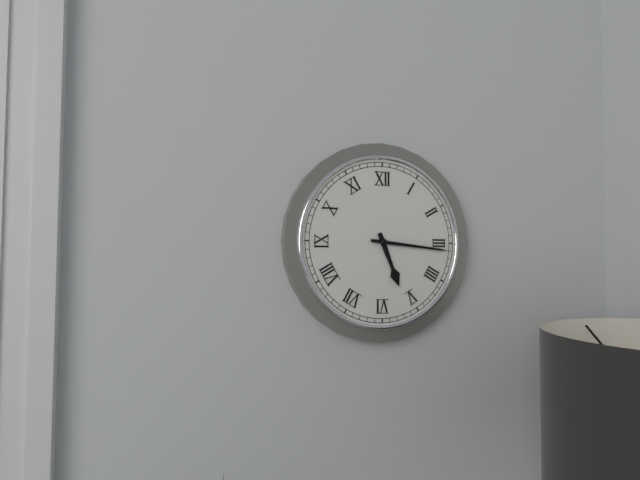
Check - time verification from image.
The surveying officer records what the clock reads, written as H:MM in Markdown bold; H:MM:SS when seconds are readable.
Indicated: **5:16**
